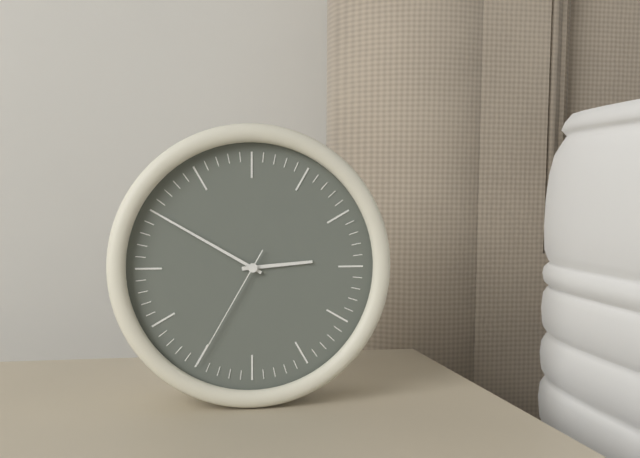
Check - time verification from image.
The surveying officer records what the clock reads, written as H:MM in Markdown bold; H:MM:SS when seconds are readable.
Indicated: **2:50:35**
